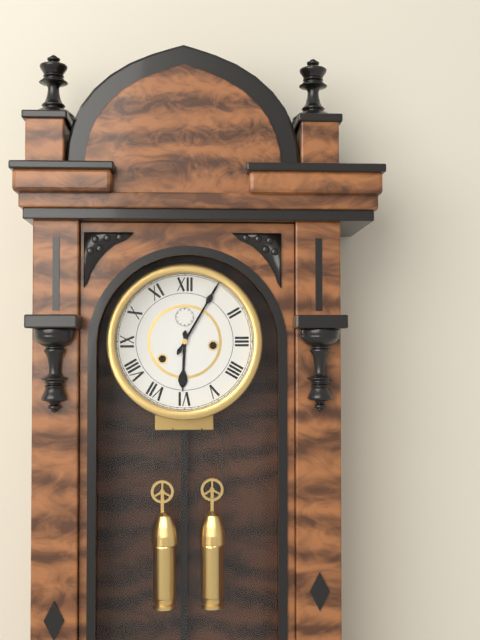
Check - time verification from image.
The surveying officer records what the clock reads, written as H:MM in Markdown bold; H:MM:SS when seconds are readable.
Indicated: **6:05**
